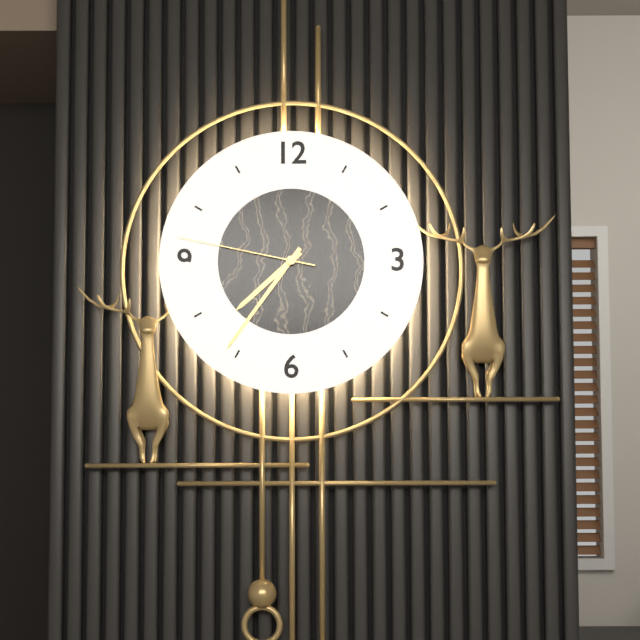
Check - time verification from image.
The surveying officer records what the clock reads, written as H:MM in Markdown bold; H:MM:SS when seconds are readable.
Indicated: **7:36:47**
